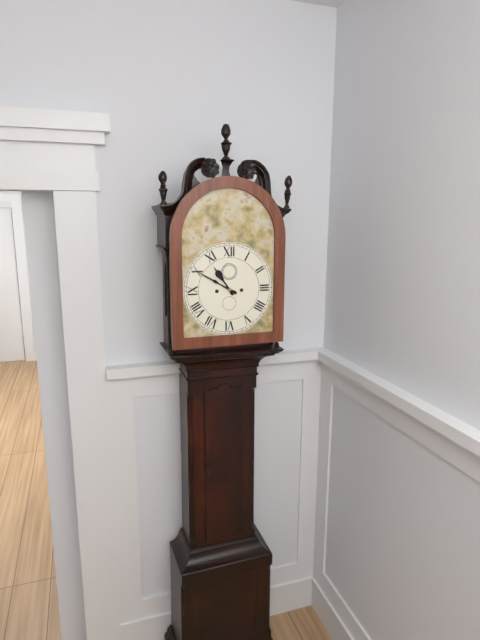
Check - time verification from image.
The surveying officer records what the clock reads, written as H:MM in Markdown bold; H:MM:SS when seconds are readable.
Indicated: **10:50**
